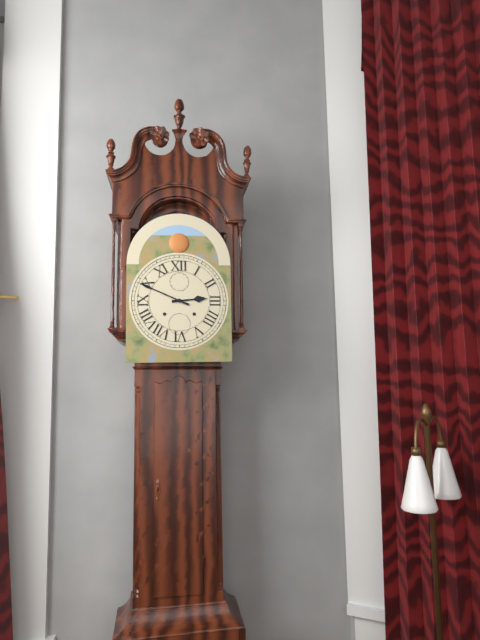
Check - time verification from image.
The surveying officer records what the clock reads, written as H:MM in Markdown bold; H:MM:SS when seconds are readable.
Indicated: **2:49**
